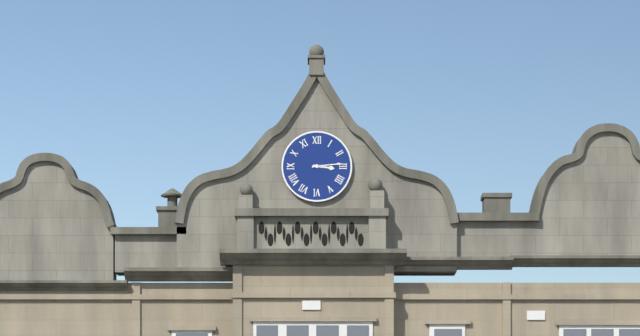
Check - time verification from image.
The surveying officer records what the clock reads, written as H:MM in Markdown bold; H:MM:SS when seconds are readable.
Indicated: **3:14**
